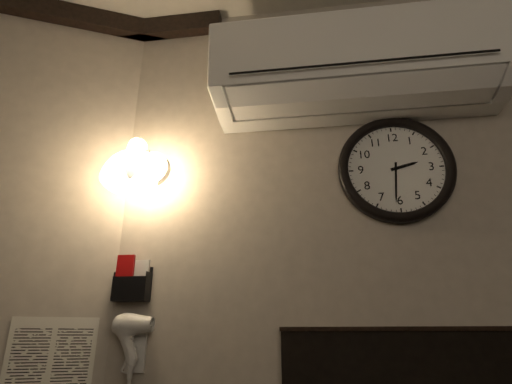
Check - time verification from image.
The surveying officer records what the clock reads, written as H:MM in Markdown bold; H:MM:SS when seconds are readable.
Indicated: **2:31**
